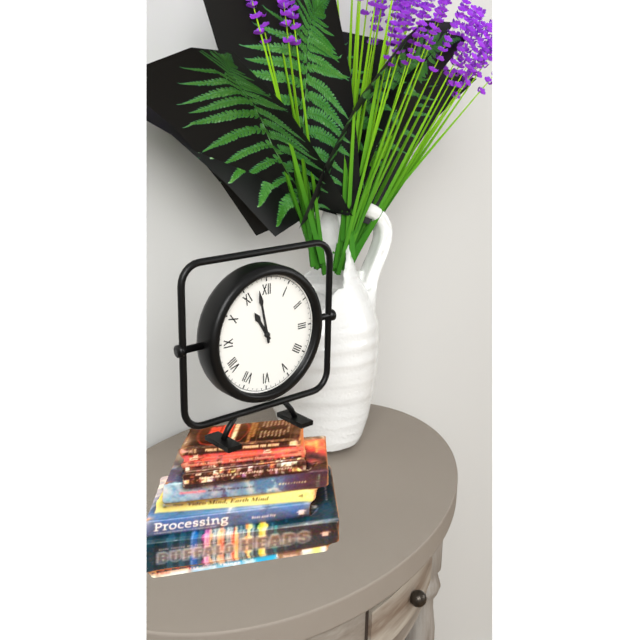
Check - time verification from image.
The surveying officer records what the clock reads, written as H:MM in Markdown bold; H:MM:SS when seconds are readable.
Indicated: **10:58**
